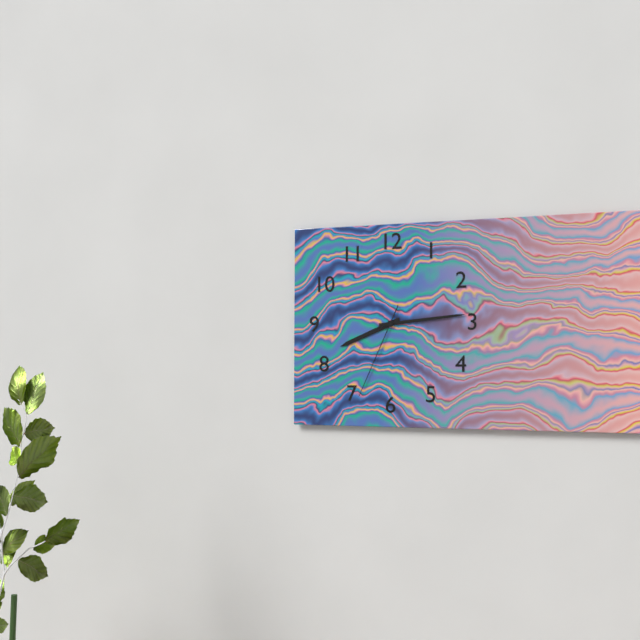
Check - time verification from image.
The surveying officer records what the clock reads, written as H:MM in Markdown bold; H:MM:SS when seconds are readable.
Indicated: **8:14:34**
